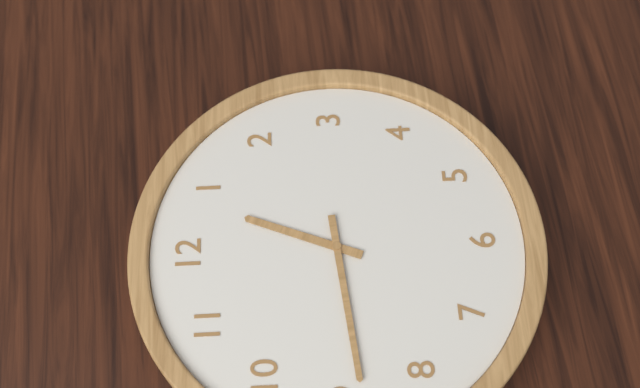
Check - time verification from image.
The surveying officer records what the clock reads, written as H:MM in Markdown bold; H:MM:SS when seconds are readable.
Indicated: **12:44**
